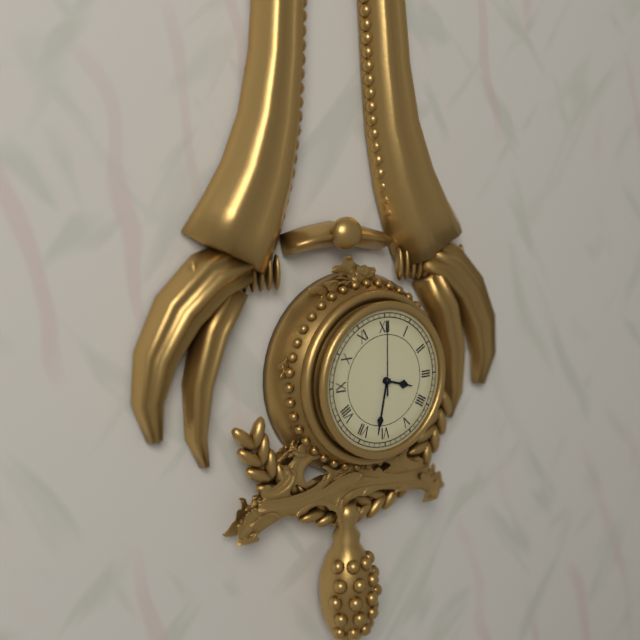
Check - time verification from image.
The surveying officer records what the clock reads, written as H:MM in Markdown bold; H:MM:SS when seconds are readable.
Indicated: **3:32:00**
